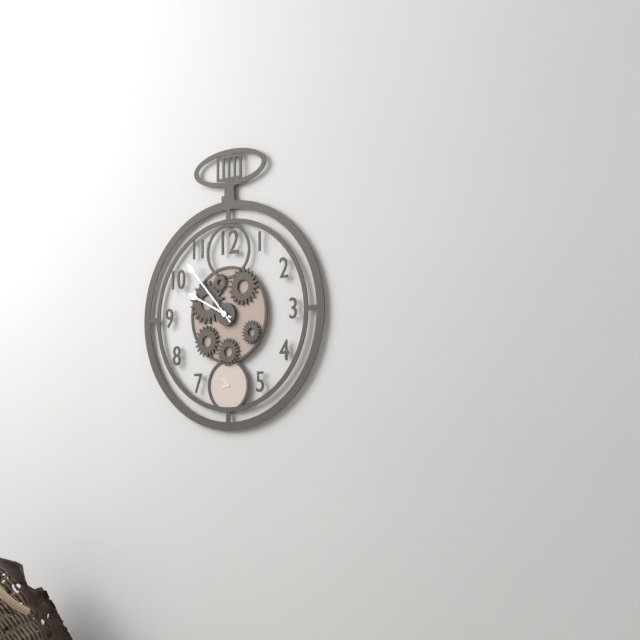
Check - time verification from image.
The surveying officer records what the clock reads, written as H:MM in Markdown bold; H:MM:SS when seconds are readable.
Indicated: **9:53**
